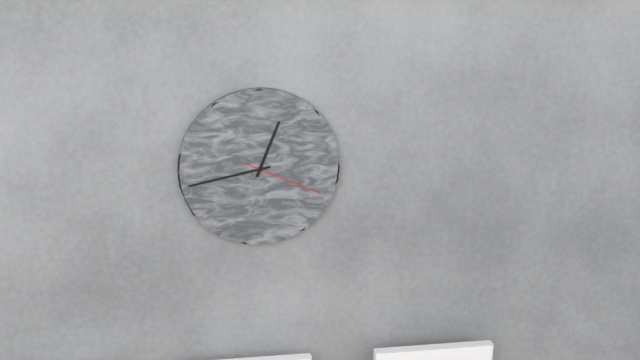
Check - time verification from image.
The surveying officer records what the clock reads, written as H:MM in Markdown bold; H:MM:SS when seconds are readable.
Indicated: **12:43:19**
